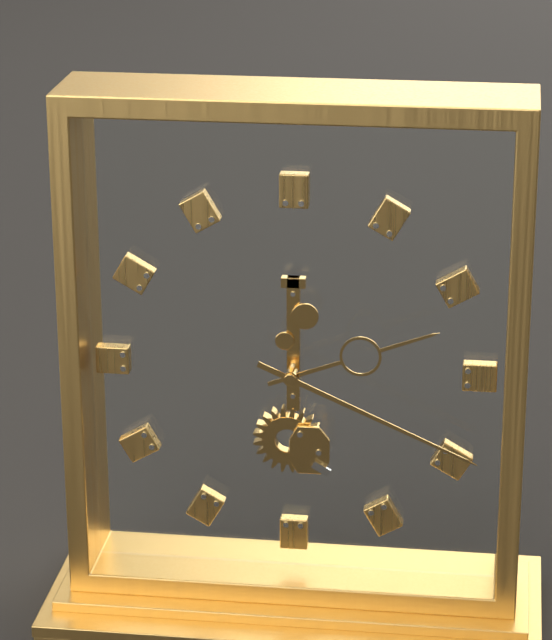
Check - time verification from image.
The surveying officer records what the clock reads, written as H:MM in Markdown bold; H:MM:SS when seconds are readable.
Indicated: **2:19**
